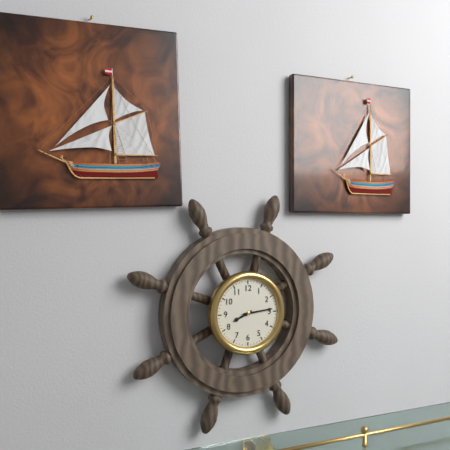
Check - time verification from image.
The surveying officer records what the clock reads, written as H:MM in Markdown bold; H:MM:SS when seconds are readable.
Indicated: **8:14**
